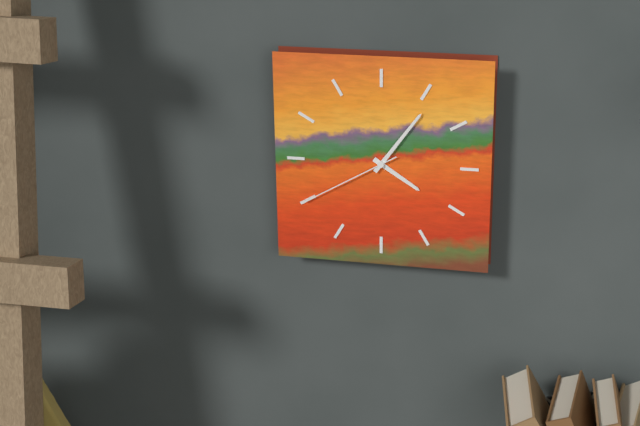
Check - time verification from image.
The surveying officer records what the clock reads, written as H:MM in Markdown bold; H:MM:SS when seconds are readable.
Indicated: **4:06:40**
